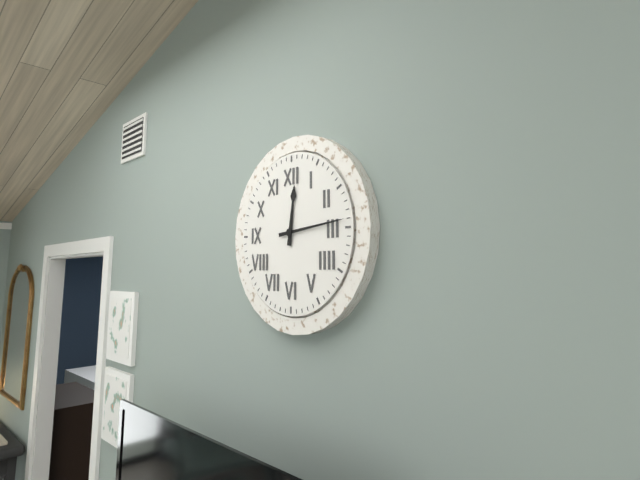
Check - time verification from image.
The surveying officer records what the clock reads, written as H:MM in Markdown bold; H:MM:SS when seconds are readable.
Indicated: **12:14**
